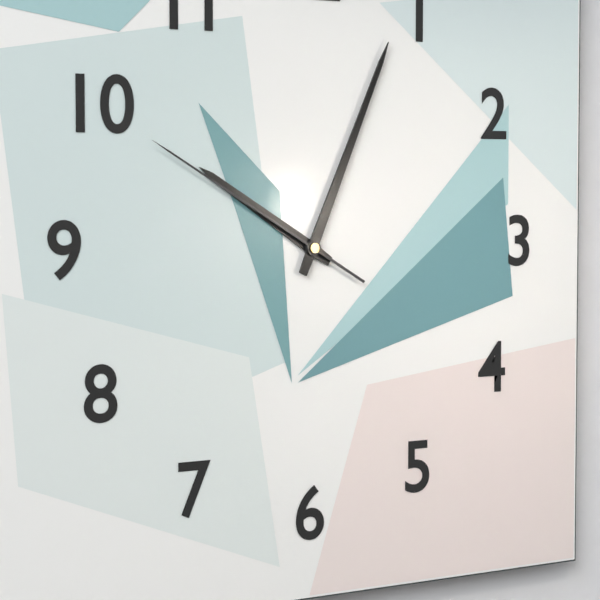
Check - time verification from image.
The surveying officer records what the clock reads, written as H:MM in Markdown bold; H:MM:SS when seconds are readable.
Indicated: **10:04:50**
